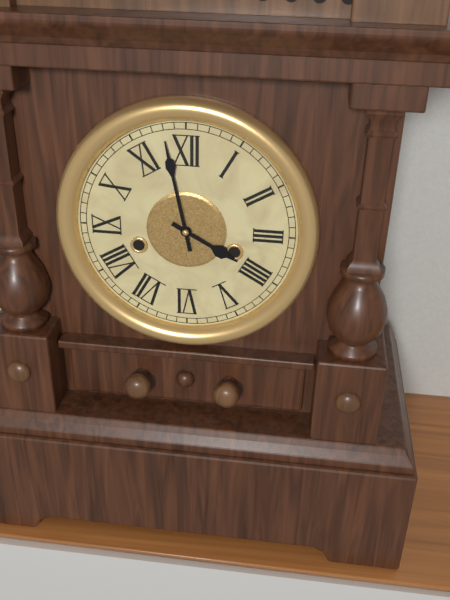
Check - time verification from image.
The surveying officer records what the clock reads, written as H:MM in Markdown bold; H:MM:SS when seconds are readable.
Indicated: **3:58**
